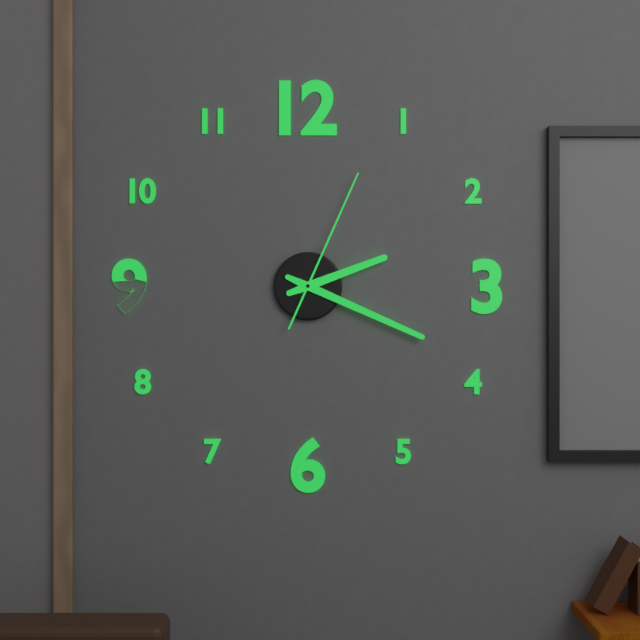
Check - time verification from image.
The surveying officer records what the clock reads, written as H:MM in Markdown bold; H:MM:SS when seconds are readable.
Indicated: **2:19:04**
